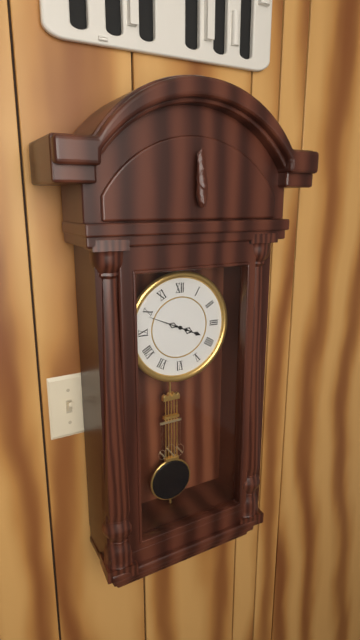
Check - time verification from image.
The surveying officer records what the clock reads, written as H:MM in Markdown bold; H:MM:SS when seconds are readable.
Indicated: **3:49**
